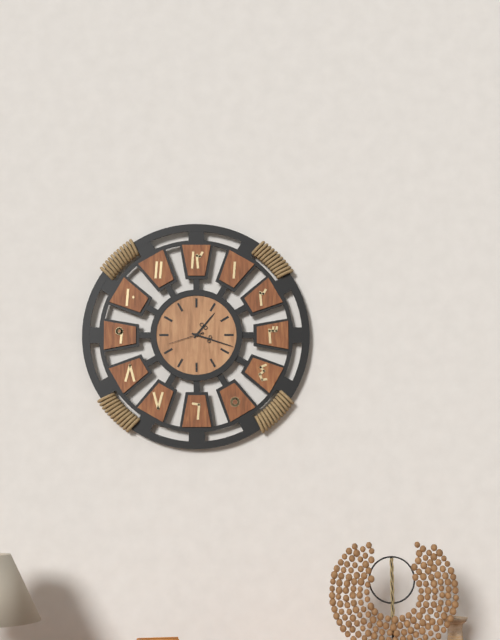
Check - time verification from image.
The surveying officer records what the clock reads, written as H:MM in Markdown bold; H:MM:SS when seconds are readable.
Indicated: **1:18**
